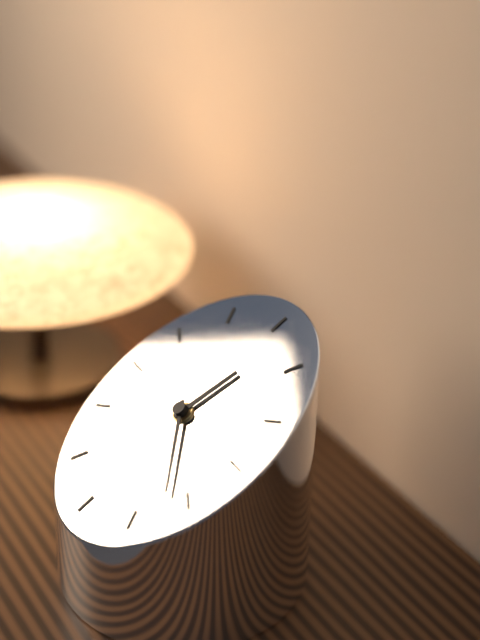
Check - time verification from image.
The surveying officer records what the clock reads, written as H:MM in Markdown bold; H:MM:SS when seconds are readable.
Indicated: **12:22**
